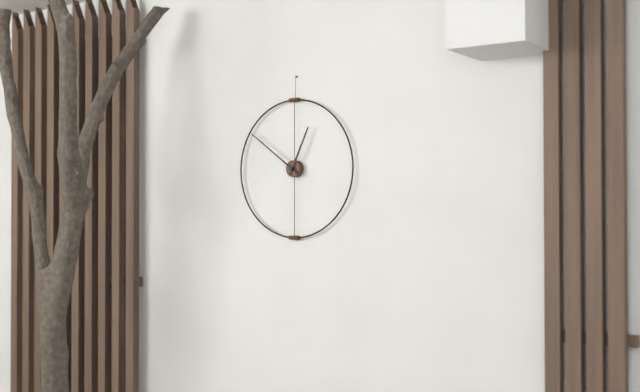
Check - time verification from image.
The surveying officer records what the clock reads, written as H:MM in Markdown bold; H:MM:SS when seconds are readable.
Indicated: **12:51**
